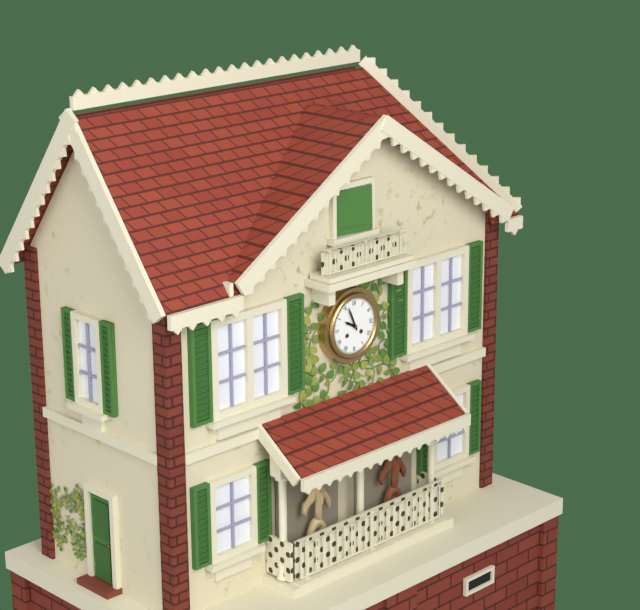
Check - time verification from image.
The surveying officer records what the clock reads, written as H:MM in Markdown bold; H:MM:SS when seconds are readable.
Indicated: **9:56**
